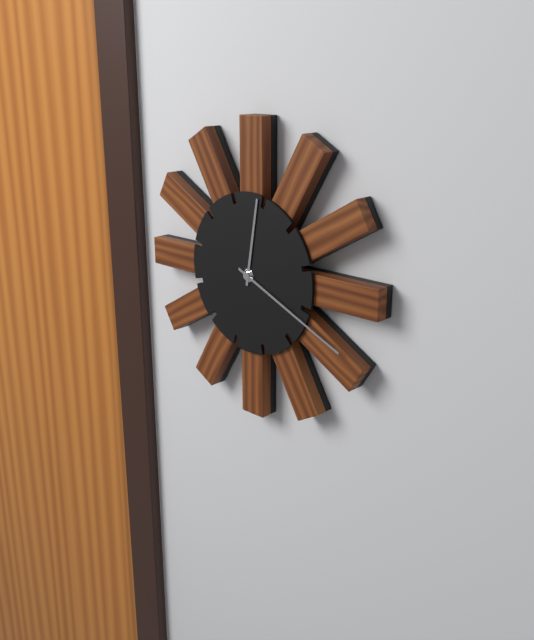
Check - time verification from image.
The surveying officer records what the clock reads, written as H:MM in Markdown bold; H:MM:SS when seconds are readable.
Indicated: **12:19**
